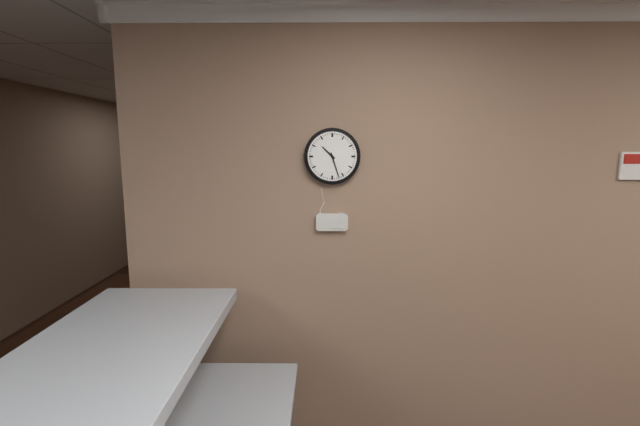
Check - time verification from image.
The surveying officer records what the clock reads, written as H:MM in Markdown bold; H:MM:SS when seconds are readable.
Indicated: **10:27**
